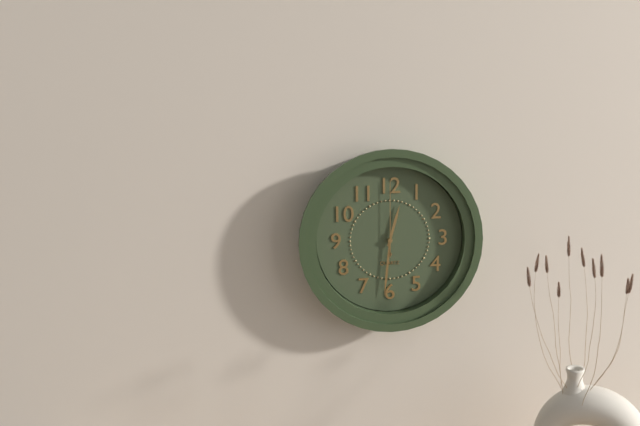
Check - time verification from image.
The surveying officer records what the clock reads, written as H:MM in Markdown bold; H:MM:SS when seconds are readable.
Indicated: **12:31:00**
